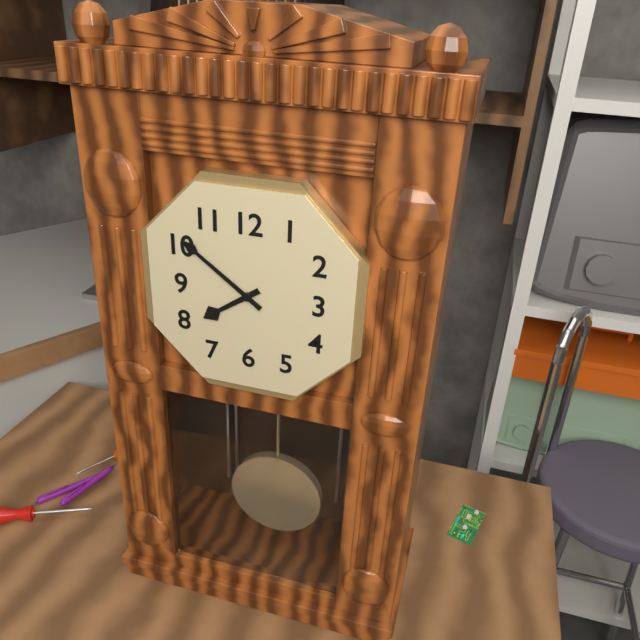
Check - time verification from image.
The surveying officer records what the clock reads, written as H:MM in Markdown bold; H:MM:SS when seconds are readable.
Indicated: **7:51**
